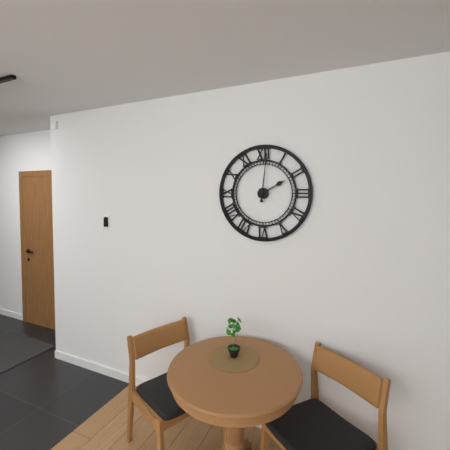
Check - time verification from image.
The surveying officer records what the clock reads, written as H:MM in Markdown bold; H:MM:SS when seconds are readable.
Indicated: **2:01**
